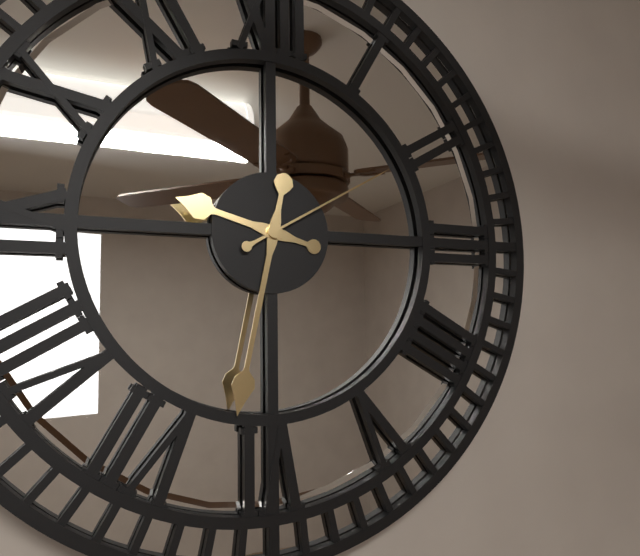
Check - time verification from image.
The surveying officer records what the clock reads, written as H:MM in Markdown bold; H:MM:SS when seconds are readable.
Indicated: **9:32:10**
